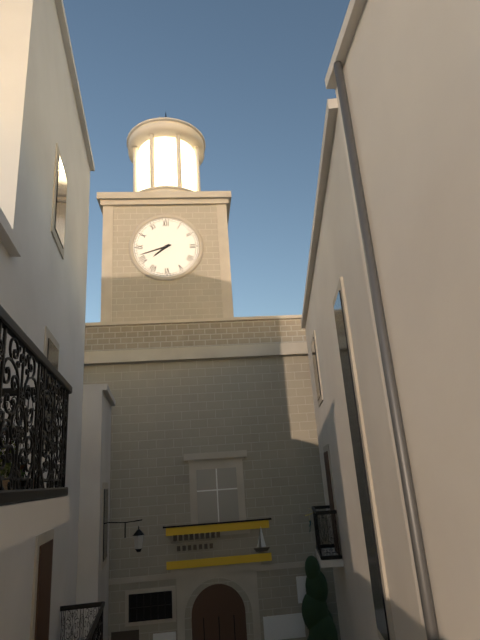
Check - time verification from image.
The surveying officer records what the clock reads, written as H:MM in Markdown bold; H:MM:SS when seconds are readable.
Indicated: **7:42**
